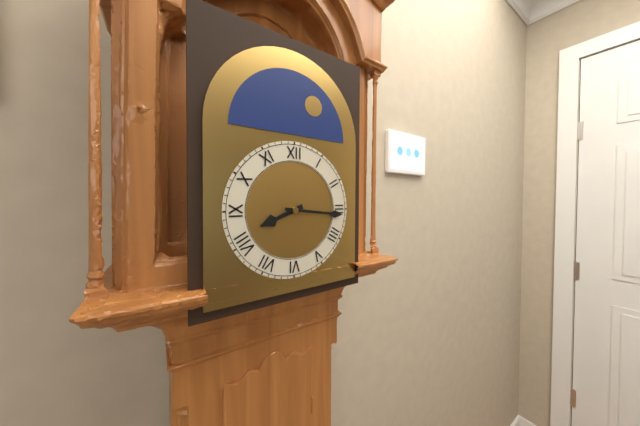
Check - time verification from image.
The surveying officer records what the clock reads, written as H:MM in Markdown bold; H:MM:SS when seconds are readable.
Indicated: **8:16**
